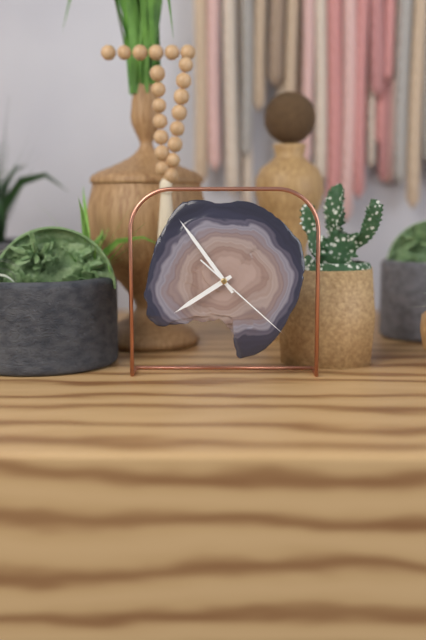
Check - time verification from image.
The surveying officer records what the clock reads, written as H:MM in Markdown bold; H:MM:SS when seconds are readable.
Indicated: **7:54:22**
